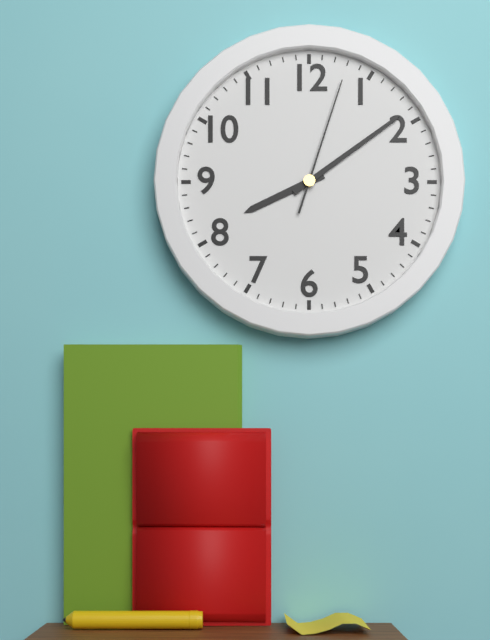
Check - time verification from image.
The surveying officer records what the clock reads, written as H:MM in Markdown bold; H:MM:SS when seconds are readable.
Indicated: **8:09:03**
